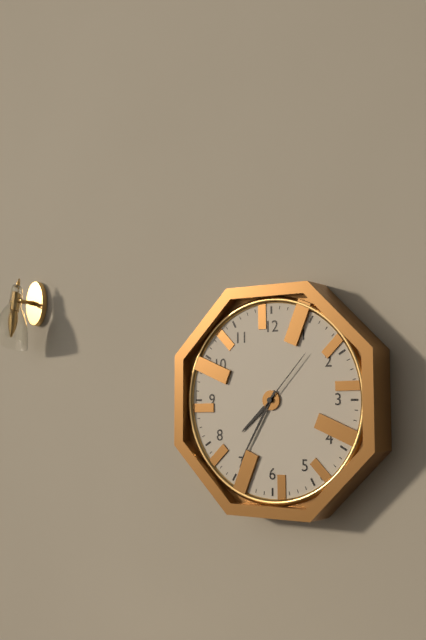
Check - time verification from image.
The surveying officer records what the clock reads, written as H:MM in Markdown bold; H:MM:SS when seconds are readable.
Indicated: **7:35:07**
